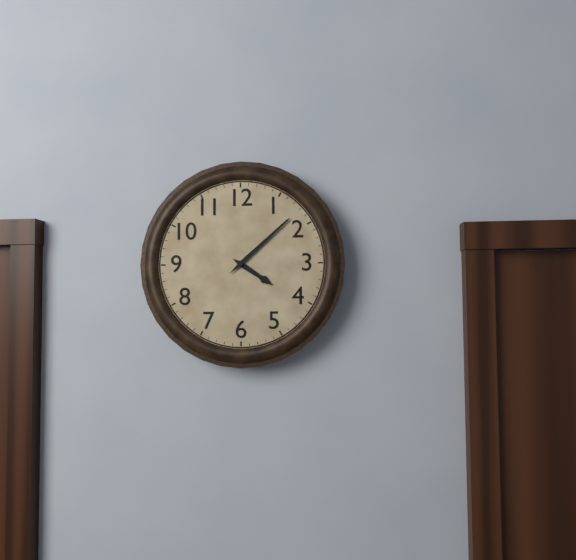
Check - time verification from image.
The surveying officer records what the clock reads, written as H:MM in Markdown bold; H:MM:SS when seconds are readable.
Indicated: **4:08**
